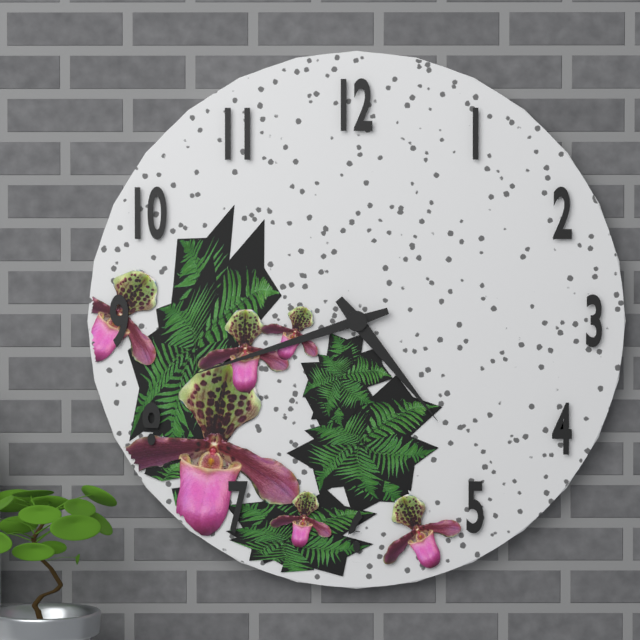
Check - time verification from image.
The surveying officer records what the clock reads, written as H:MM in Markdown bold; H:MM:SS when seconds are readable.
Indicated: **4:42**
